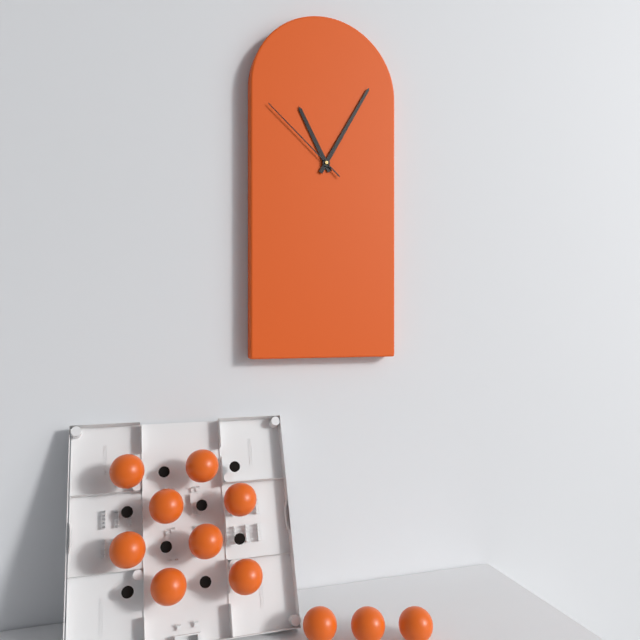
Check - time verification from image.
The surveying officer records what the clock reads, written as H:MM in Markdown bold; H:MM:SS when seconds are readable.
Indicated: **11:05:52**
